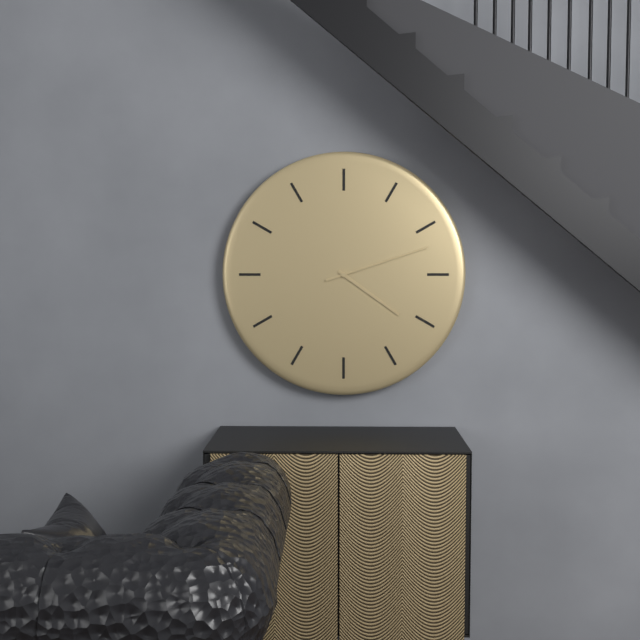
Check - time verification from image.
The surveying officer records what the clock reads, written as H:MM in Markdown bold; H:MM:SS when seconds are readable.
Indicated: **4:12**
